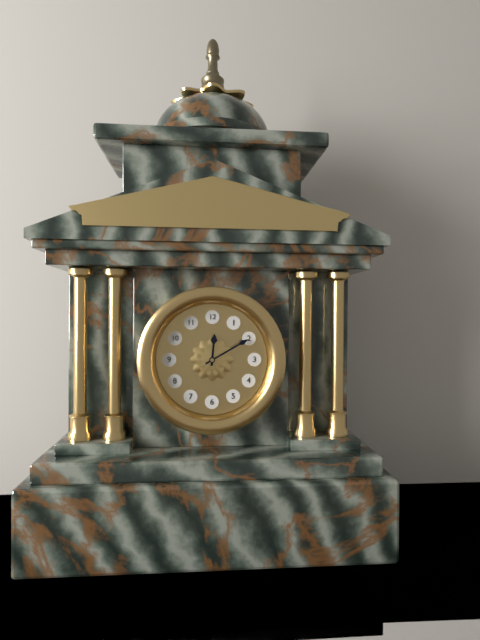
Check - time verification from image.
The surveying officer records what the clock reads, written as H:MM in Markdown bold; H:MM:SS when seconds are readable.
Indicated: **12:10**
